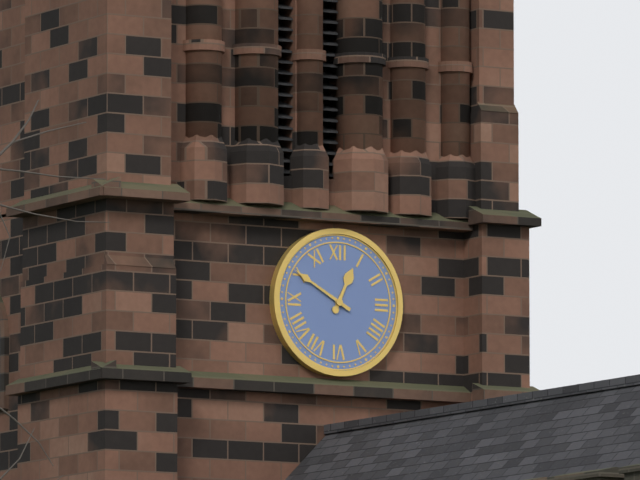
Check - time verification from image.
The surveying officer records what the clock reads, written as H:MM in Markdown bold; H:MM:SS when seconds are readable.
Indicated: **12:50**
